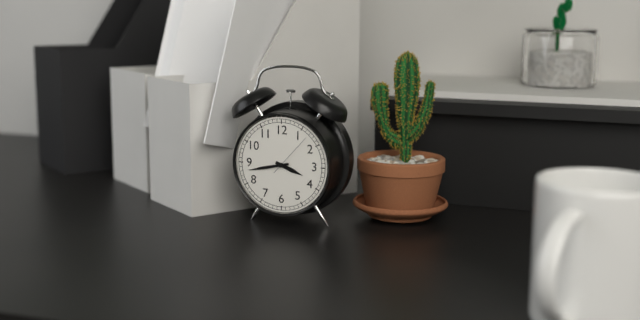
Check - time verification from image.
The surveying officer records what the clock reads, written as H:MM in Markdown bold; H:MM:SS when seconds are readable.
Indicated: **3:43**
